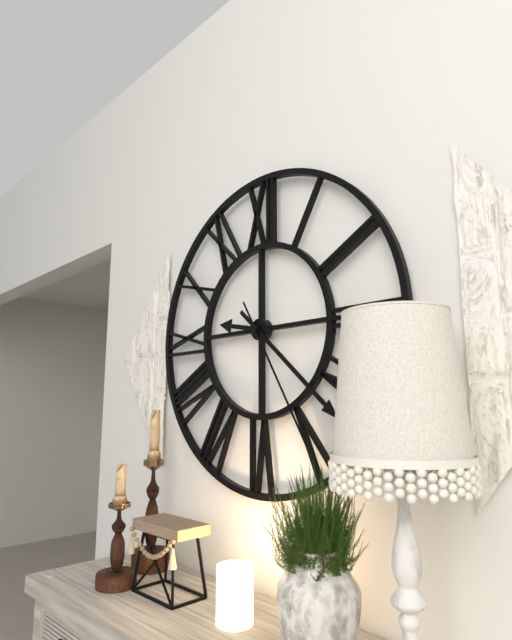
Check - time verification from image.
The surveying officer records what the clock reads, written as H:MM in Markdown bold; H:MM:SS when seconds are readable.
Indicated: **9:22:25**
